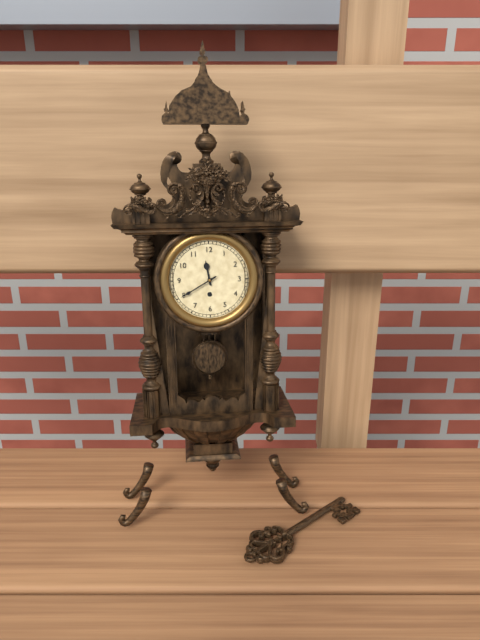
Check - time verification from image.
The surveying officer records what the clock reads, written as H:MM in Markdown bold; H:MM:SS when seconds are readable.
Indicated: **11:40**
